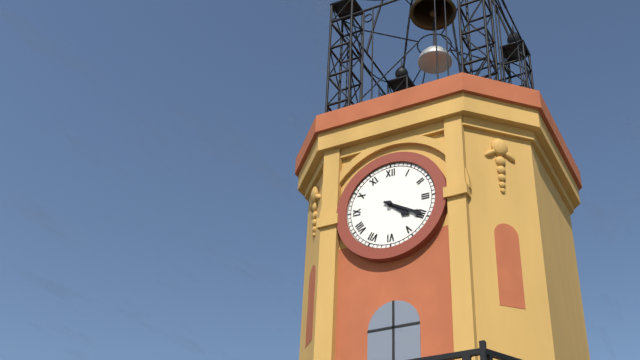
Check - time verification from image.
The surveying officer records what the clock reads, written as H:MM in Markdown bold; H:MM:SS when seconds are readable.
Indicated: **4:20**
